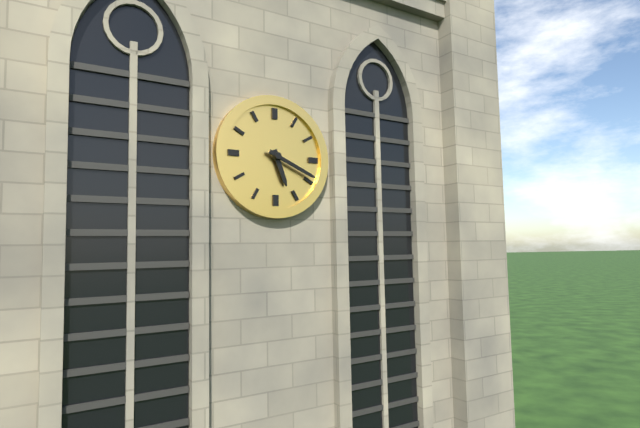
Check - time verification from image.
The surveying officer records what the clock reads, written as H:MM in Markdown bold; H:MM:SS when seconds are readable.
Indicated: **5:19**
